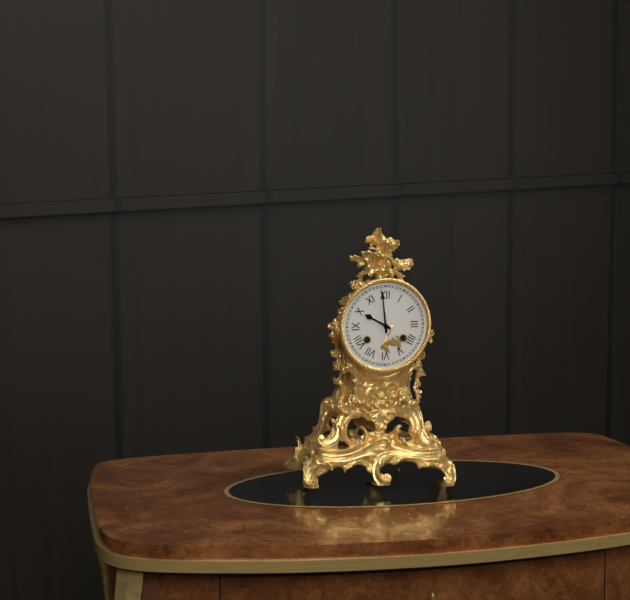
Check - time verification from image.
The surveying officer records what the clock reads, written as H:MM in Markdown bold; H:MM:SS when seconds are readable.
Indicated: **9:59**
